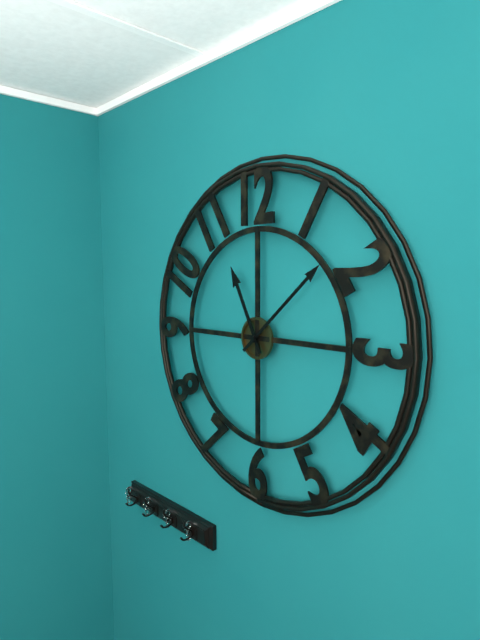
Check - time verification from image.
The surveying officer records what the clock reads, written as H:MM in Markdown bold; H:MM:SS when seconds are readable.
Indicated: **11:08**
